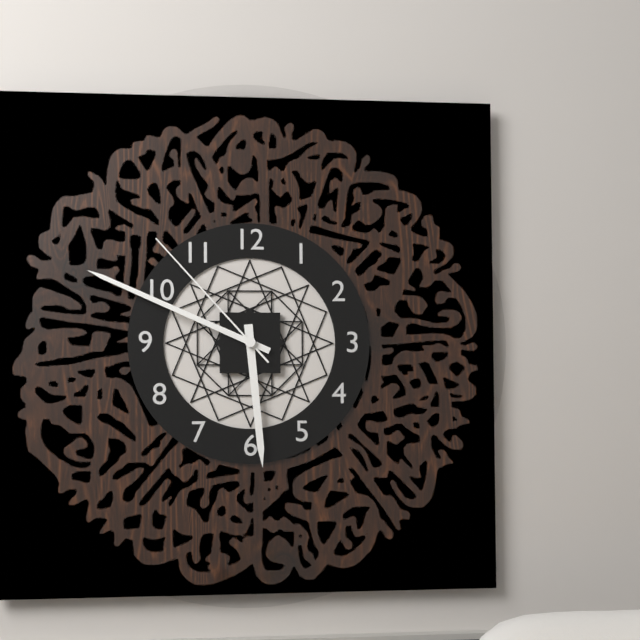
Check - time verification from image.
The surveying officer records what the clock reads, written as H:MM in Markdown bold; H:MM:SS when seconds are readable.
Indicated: **5:49:53**
